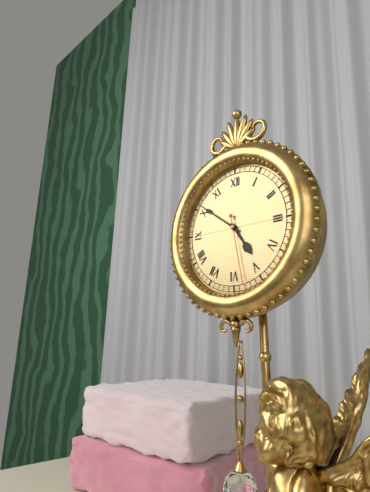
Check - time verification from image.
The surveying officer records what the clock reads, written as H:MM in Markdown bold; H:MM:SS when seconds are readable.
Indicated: **4:51:28**
